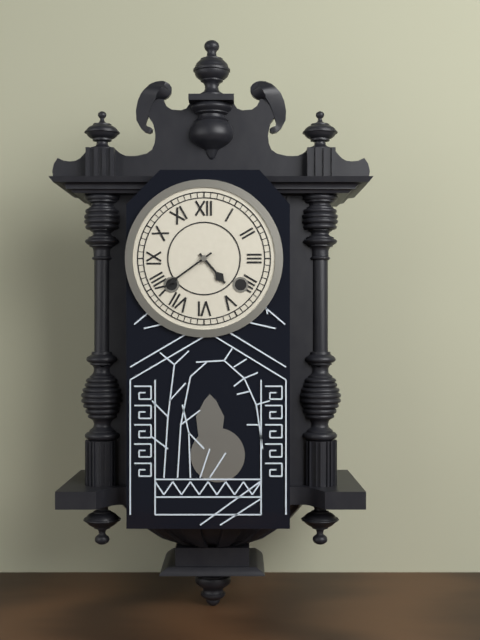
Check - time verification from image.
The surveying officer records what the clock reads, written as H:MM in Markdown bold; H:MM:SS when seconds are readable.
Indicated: **4:39**
